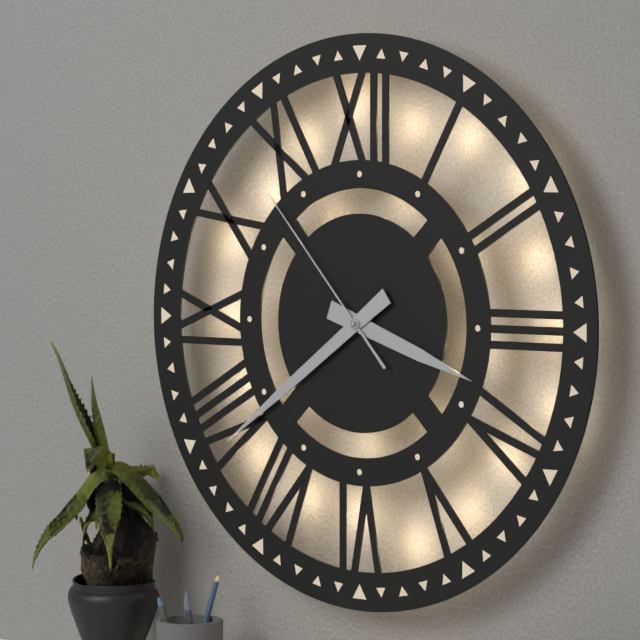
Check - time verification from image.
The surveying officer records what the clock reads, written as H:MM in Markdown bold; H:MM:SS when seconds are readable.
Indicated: **3:39:53**
